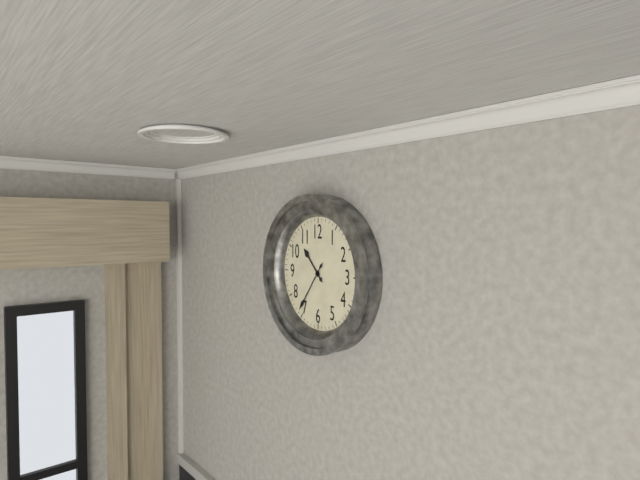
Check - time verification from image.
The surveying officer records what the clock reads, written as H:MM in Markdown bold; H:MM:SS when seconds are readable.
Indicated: **10:36**
